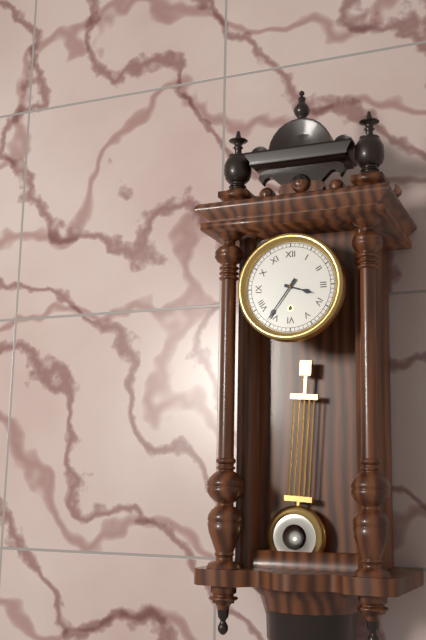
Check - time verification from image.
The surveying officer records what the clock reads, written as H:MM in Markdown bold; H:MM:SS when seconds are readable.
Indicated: **3:36**
